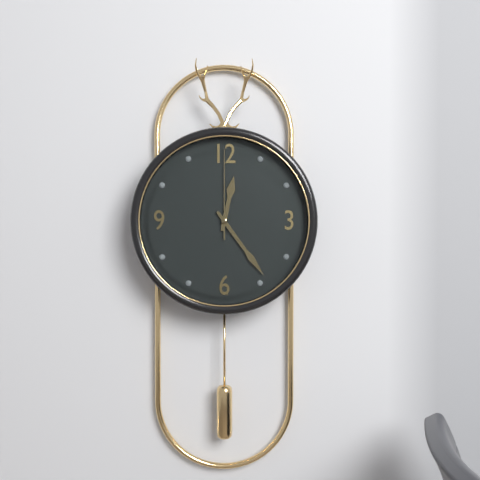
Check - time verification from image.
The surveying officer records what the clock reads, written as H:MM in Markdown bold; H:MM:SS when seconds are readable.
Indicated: **12:24:00**
